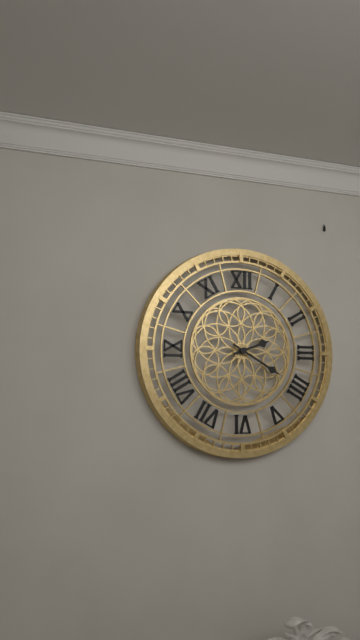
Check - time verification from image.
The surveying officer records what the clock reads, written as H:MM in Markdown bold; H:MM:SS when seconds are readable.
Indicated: **2:20**
